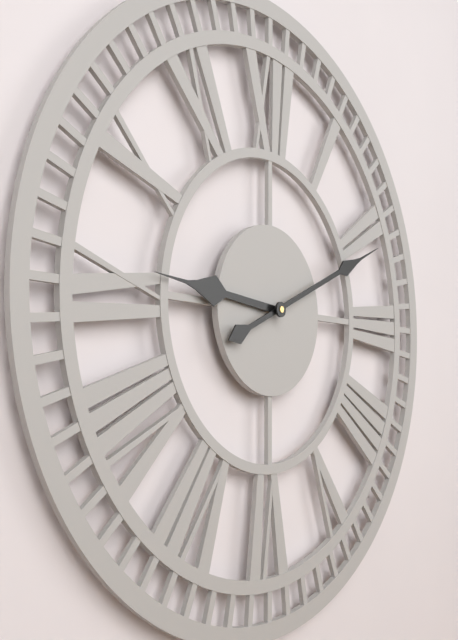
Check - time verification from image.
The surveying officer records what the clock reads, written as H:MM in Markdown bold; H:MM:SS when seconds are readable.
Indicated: **9:11**
